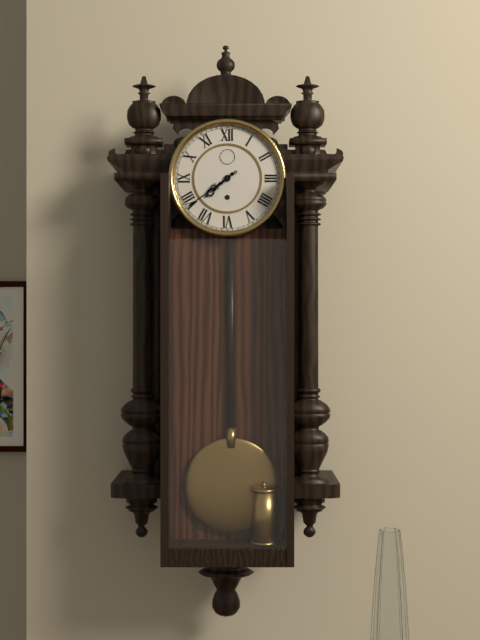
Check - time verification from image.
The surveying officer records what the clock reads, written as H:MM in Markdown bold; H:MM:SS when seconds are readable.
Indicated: **7:39**
